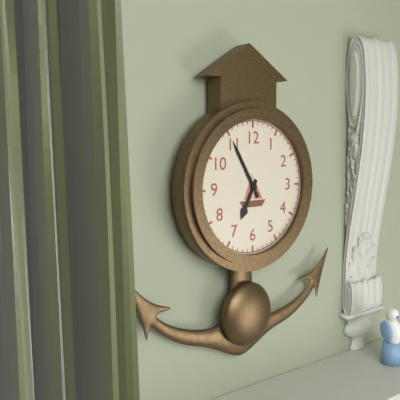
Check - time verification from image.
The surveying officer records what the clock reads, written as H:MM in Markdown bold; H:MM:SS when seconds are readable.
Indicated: **6:55**
